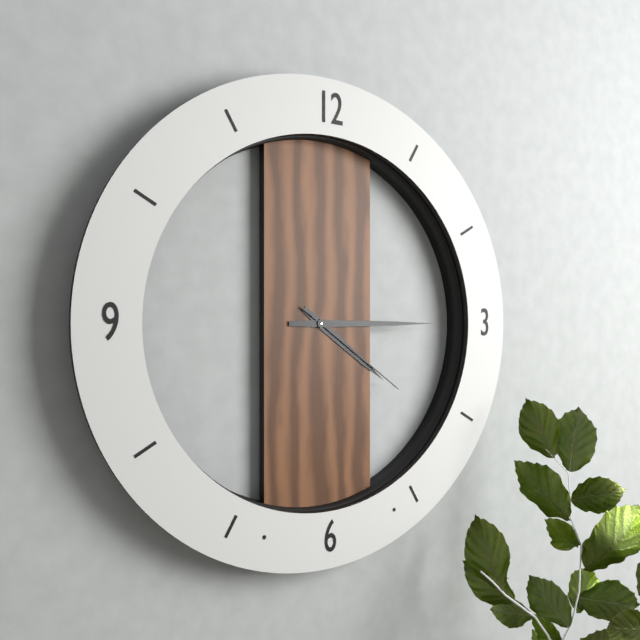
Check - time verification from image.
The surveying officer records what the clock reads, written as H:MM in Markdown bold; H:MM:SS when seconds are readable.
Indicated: **4:15:21**
